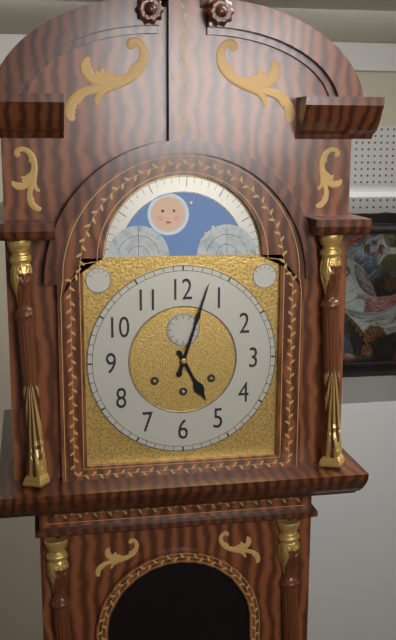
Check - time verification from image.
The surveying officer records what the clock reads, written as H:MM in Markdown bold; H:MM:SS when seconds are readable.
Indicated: **5:03**
